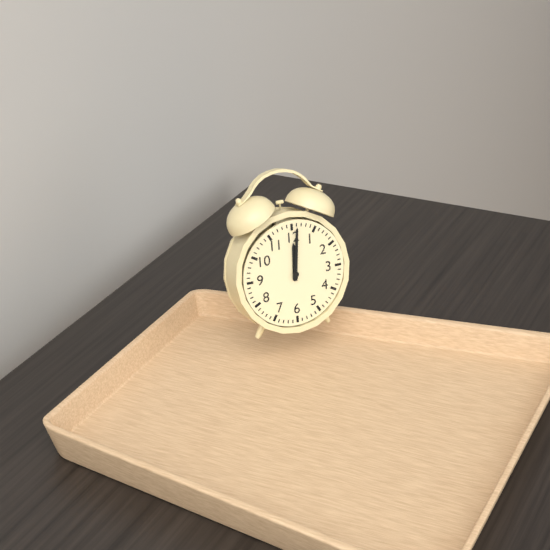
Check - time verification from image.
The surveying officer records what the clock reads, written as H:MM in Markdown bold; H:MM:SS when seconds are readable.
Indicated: **12:01**
